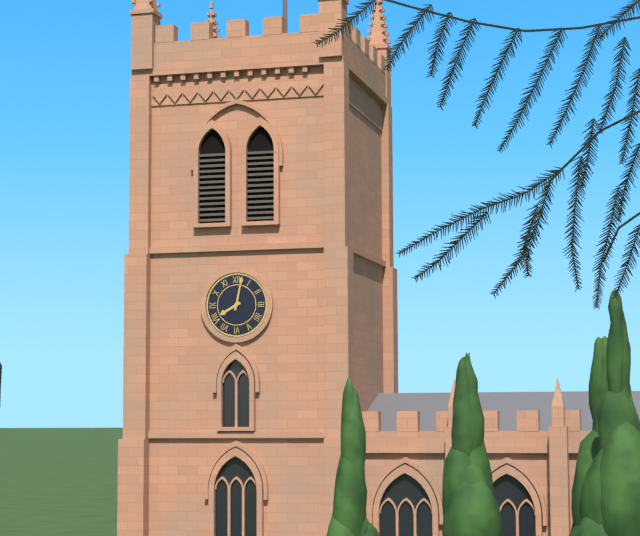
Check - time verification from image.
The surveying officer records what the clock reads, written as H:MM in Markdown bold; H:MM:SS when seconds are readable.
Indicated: **8:02**
